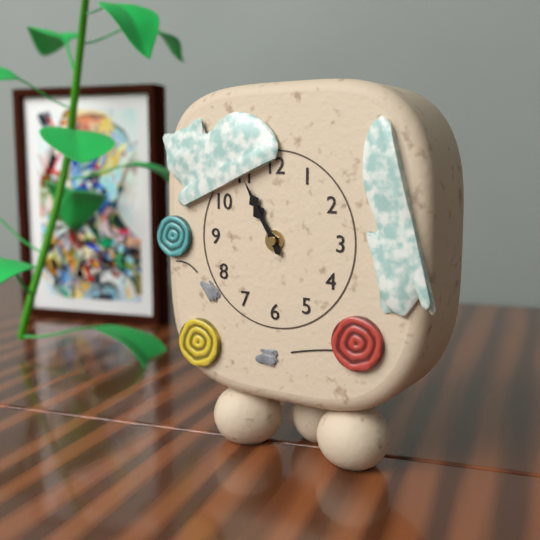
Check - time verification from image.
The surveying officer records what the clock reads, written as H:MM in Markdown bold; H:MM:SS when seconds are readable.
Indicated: **10:55**
